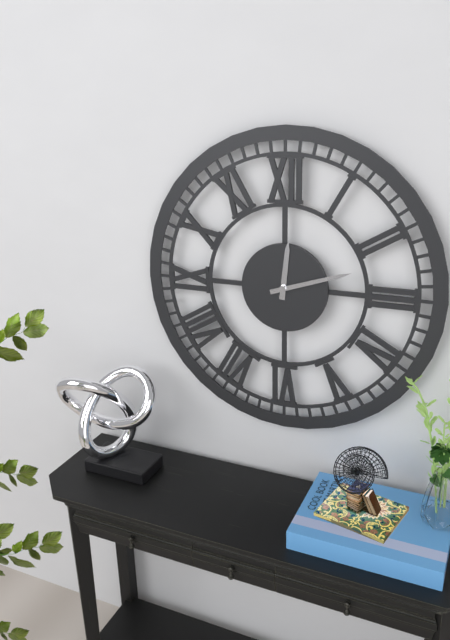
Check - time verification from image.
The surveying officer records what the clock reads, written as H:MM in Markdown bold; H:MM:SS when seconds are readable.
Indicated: **12:12**
